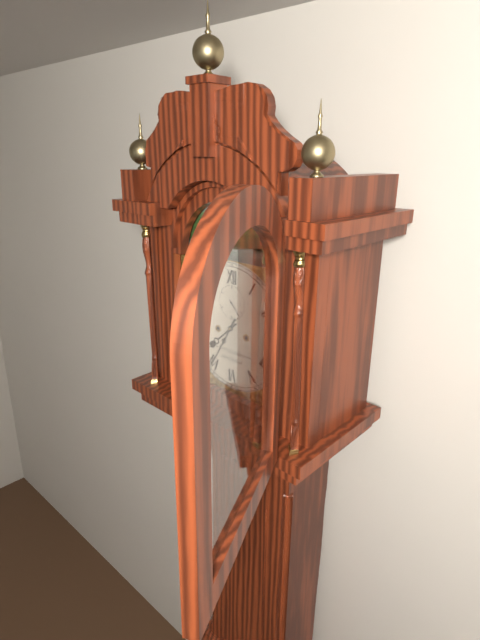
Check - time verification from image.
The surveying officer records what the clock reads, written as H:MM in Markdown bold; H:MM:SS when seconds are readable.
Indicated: **7:35**
